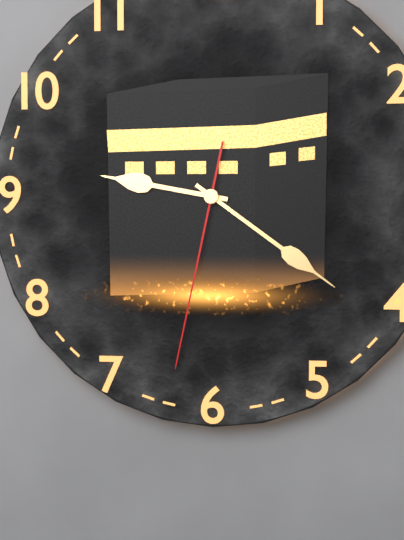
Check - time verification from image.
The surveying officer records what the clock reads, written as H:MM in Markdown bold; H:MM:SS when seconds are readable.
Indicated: **9:21:32**
